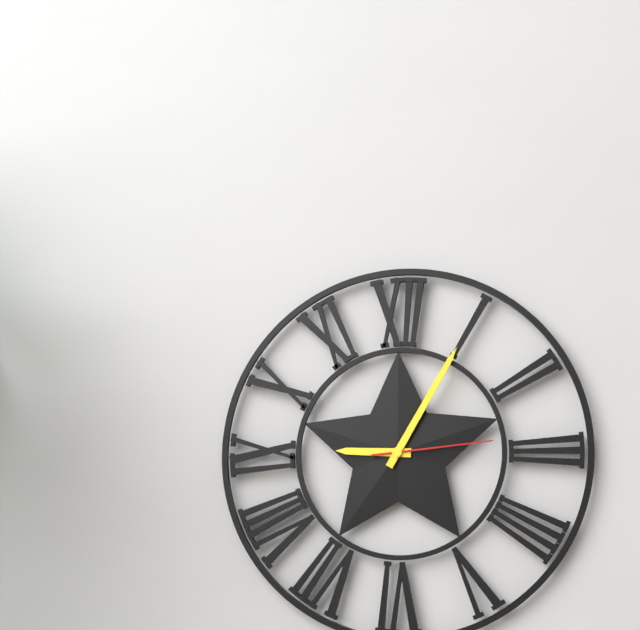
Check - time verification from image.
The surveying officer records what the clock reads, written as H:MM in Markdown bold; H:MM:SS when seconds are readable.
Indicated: **9:05:14**
